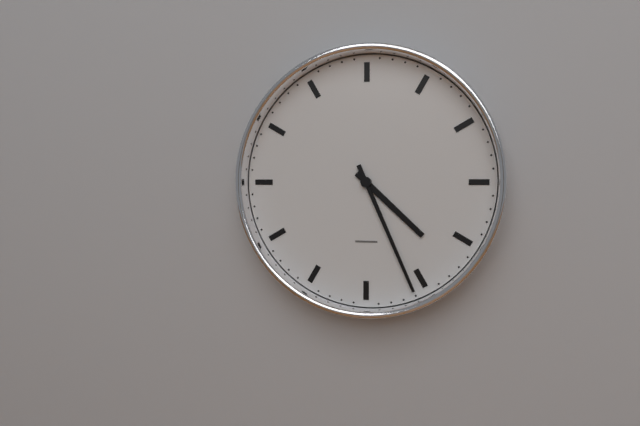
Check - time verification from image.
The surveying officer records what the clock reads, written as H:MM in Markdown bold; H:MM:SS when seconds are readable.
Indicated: **4:26**
